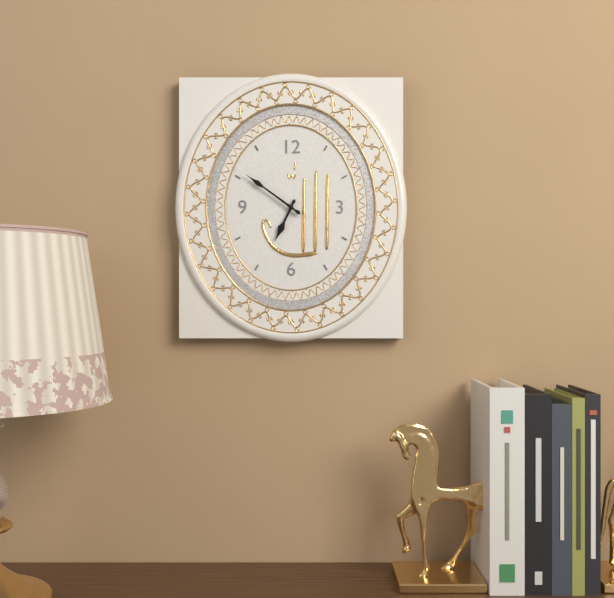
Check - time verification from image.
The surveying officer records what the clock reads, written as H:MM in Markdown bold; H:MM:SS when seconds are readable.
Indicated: **6:51**
